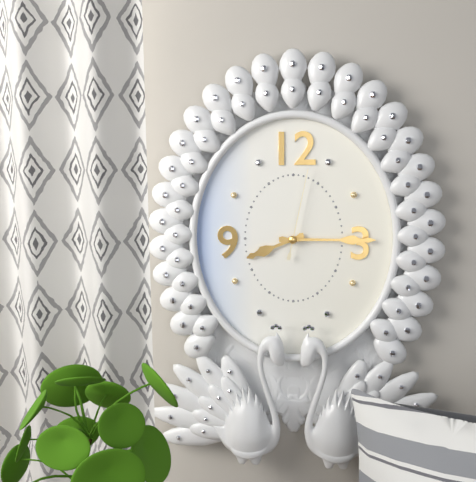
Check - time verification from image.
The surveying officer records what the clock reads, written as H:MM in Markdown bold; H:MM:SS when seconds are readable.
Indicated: **8:15:02**
